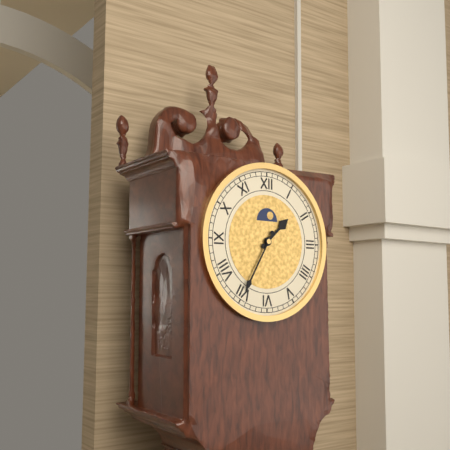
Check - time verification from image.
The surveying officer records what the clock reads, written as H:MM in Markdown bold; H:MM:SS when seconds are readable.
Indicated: **1:35**
